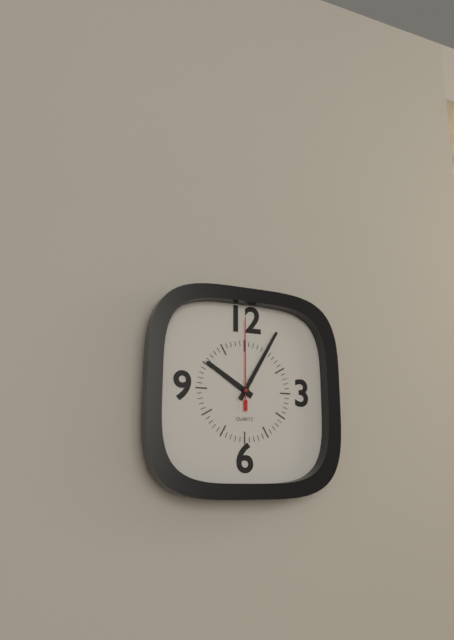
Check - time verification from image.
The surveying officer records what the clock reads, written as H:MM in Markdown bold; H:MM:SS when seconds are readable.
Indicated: **10:05:00**
